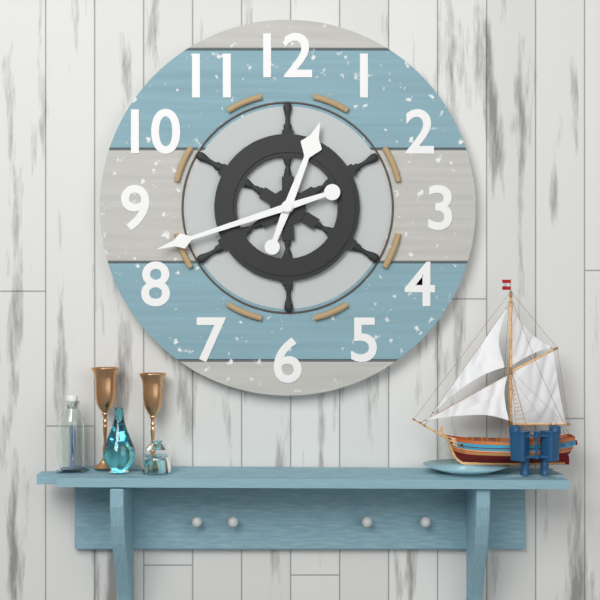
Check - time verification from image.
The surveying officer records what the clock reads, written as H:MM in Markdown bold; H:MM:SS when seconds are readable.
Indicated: **12:42**
